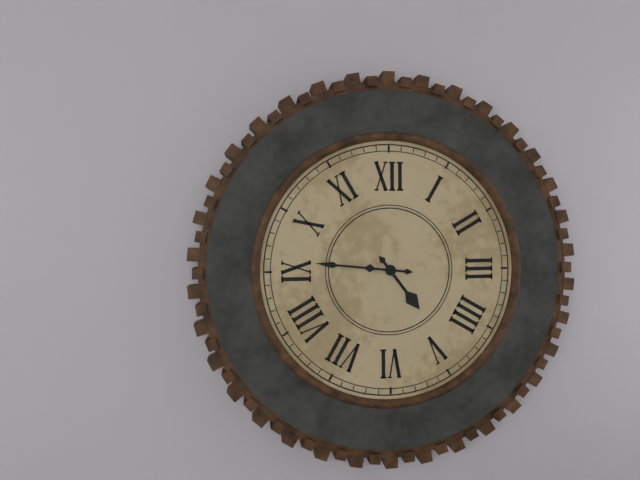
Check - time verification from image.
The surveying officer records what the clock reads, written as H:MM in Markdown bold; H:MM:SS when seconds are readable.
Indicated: **4:46**
